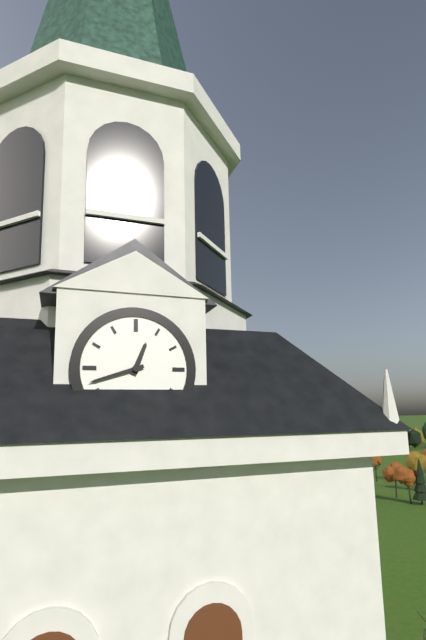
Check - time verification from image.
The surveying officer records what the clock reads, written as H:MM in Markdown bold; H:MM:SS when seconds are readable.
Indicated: **12:42**
